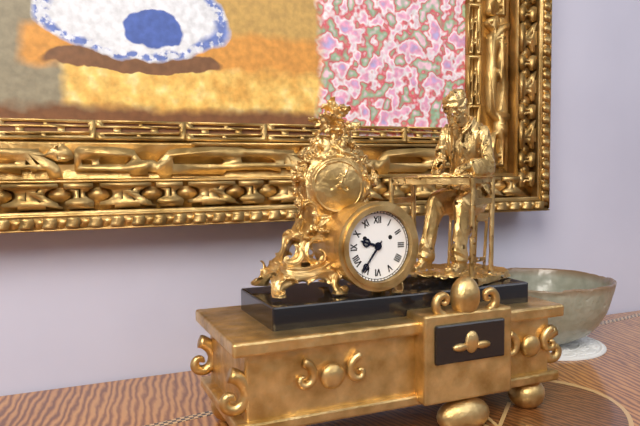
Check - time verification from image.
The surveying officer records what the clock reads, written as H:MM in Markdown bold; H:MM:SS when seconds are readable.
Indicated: **9:36**
